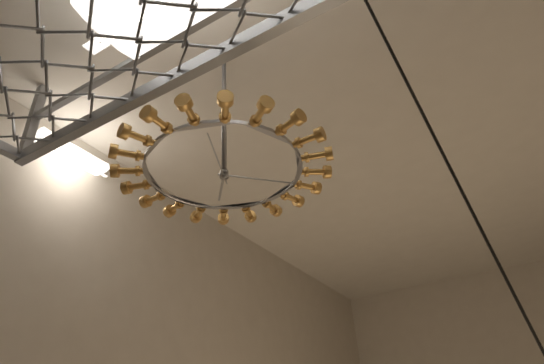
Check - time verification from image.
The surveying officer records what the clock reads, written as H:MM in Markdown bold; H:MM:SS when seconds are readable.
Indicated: **7:23:04**
